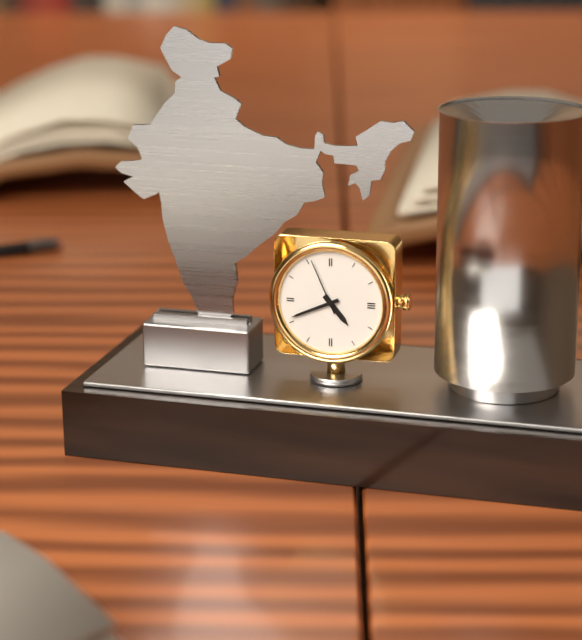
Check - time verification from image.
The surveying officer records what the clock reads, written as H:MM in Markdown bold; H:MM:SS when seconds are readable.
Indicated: **4:41:56**
